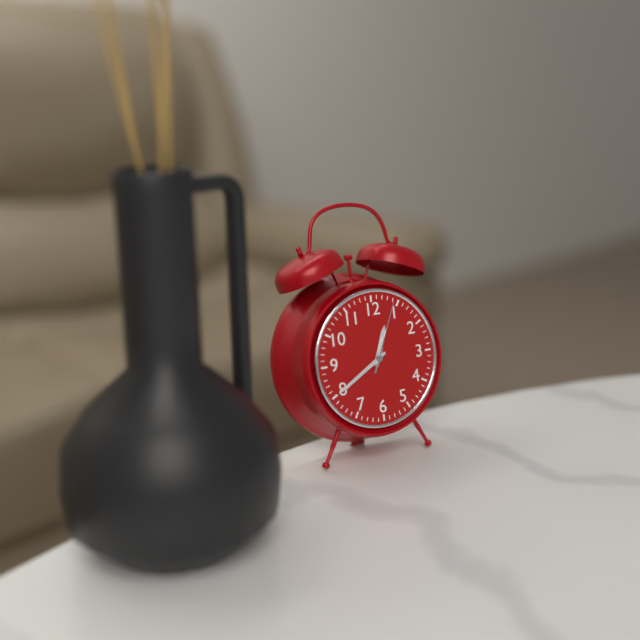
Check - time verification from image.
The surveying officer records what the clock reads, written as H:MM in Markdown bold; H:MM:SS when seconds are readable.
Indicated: **12:40:04**
